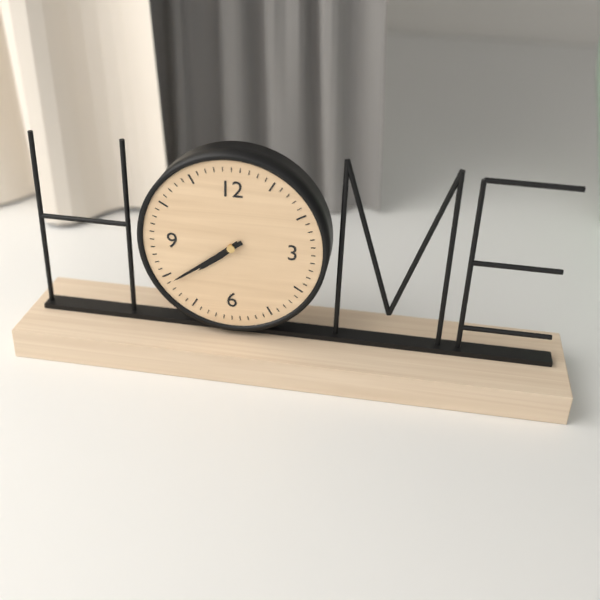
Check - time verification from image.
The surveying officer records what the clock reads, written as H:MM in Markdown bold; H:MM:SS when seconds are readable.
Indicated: **7:39**
